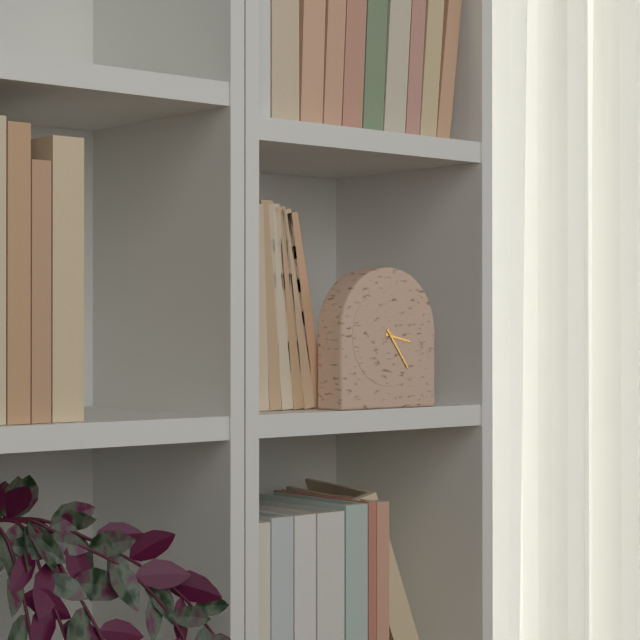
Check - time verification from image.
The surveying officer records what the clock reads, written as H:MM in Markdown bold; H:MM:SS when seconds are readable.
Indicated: **3:24**
